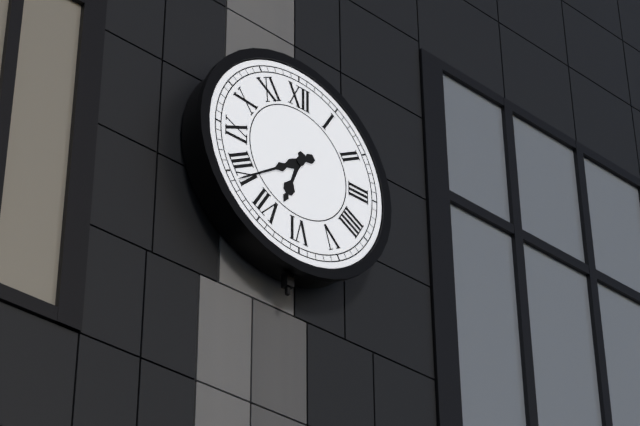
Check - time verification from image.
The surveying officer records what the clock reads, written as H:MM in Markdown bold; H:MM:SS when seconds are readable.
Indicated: **6:39**
